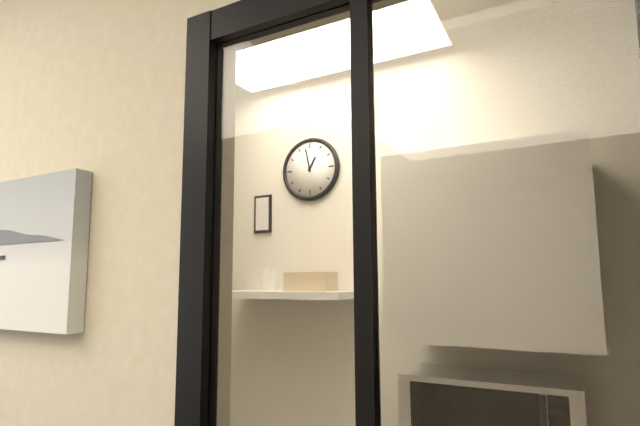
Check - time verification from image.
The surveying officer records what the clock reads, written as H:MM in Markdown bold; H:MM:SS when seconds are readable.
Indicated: **12:58**
